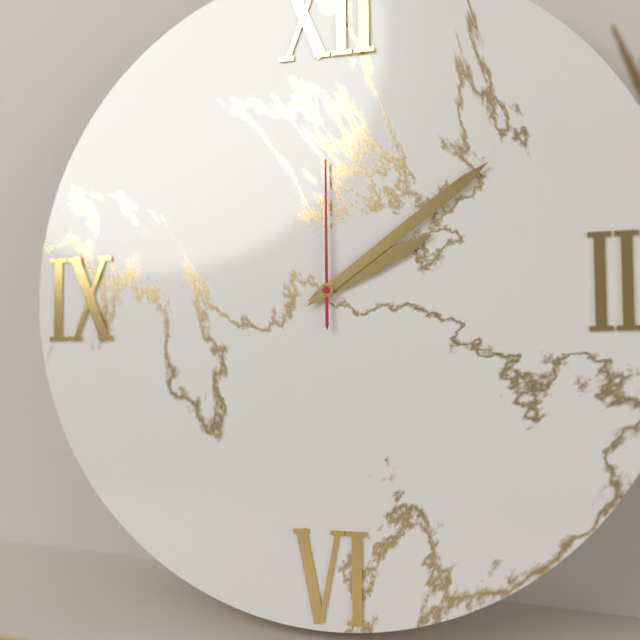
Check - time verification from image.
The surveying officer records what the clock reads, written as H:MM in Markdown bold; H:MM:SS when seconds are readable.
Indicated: **2:09:00**
